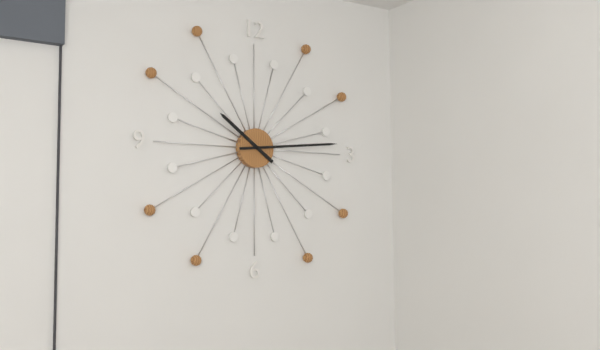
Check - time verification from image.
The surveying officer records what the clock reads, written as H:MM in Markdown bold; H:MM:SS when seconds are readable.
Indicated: **10:14**
